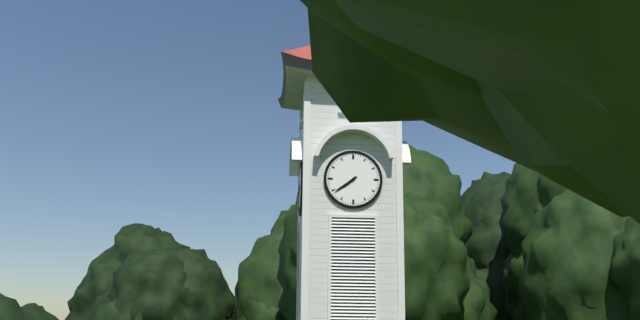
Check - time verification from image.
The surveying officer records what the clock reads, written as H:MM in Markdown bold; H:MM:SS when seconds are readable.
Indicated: **7:39**
